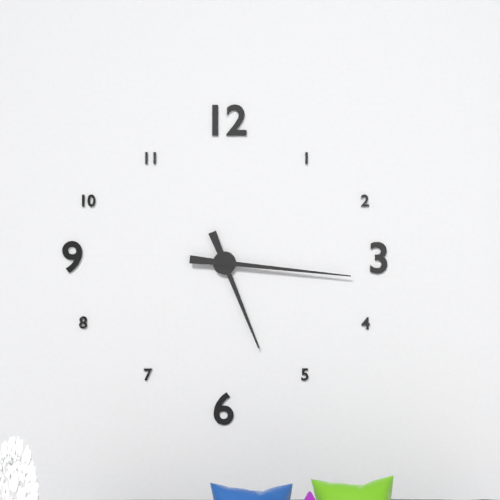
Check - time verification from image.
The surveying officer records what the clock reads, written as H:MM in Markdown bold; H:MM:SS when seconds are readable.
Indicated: **5:16**
